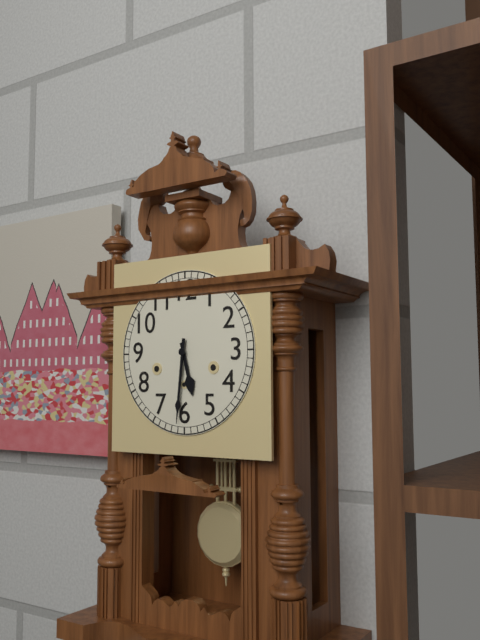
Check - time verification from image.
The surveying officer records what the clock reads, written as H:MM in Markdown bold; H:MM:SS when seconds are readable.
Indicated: **5:31**
